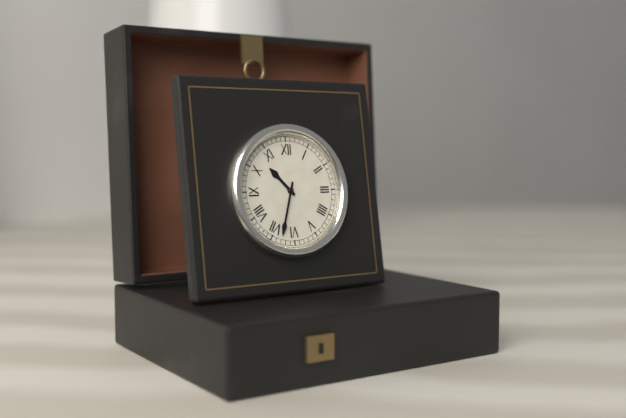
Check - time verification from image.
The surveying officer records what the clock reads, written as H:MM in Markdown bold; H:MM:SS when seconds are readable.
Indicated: **10:33**
